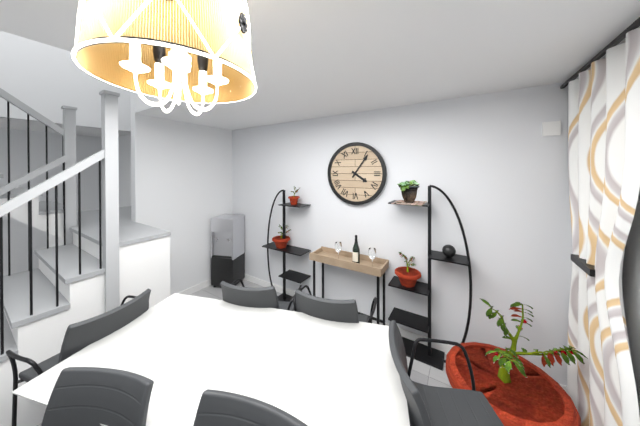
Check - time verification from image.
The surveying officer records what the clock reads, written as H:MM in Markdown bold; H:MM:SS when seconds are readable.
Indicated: **4:06**
